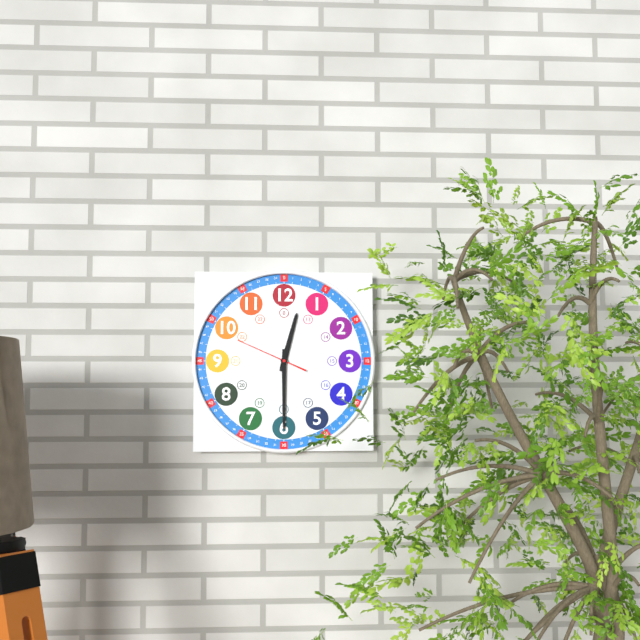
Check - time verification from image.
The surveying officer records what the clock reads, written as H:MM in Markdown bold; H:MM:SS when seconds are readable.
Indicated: **12:30:49**
